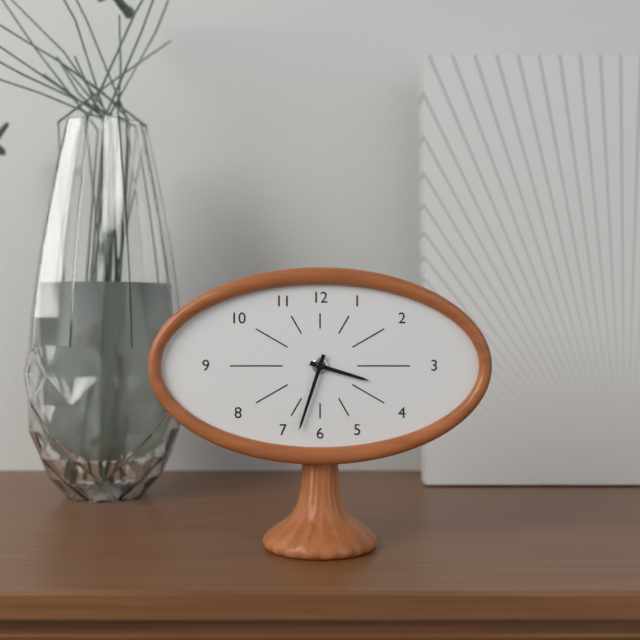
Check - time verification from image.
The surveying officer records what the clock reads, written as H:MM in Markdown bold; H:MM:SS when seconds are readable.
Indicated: **3:33**
